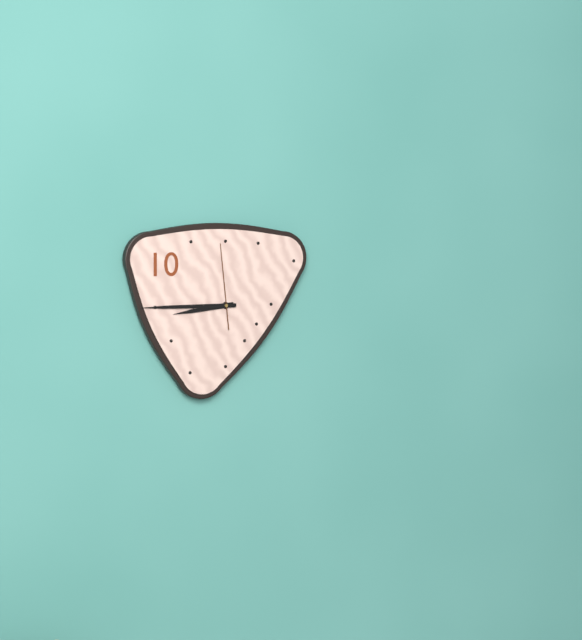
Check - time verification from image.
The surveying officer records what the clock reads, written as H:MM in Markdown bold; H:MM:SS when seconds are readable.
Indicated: **8:45:59**
